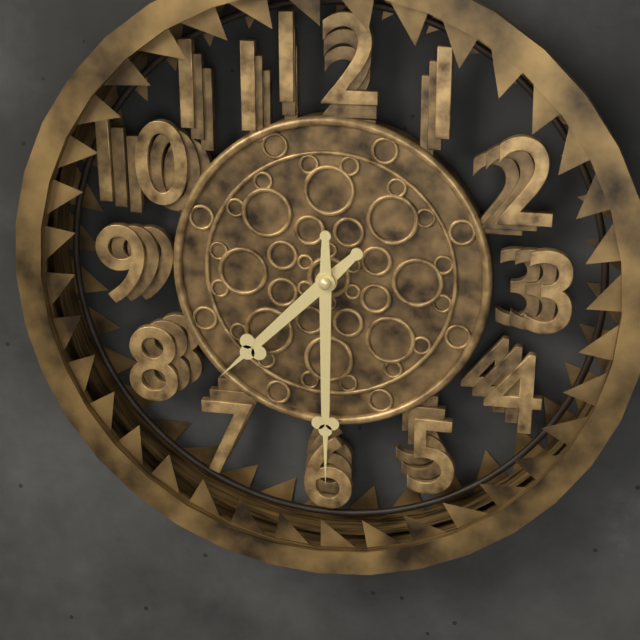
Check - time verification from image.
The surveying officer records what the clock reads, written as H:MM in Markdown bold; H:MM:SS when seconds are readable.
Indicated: **7:30**
